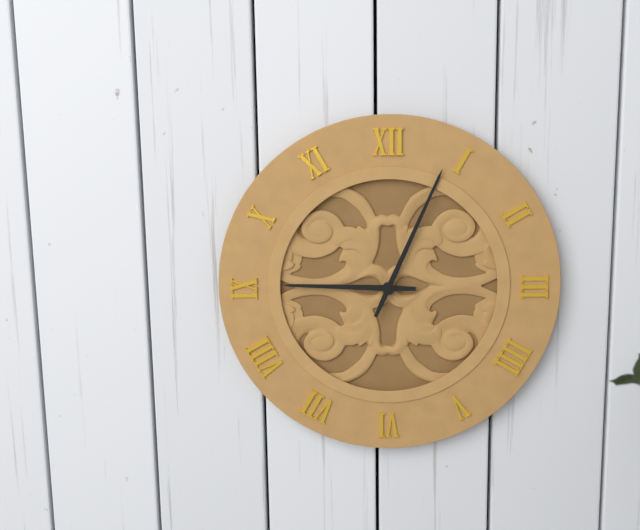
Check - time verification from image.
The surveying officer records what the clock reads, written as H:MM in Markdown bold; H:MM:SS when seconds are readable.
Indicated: **9:04**
